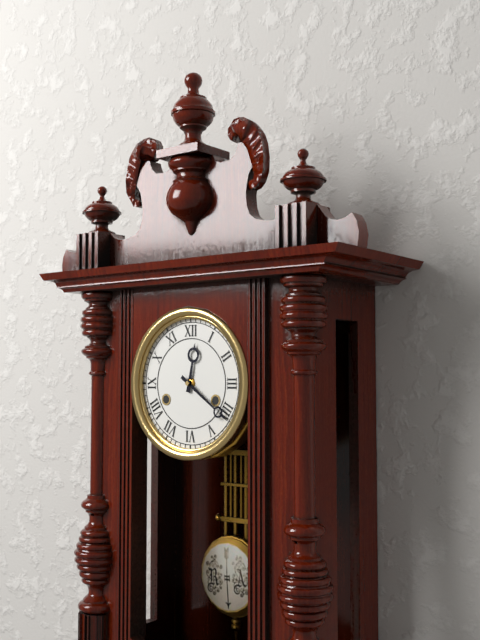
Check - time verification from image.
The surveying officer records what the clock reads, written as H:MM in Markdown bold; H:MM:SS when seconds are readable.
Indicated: **12:21**
